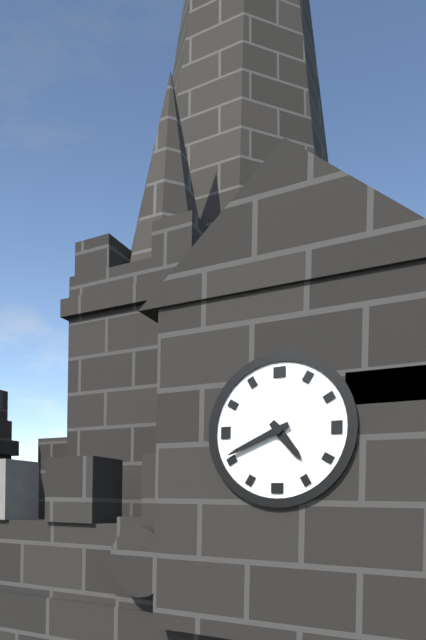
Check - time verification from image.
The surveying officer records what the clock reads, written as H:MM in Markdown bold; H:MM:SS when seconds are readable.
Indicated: **4:41**
